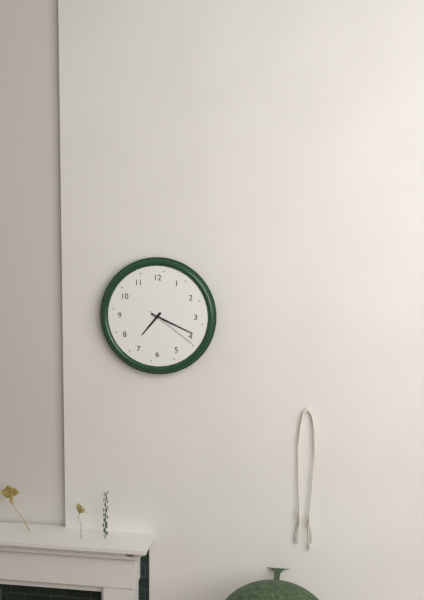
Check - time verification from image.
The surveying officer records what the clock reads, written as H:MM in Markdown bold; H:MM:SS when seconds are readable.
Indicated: **7:19:21**
